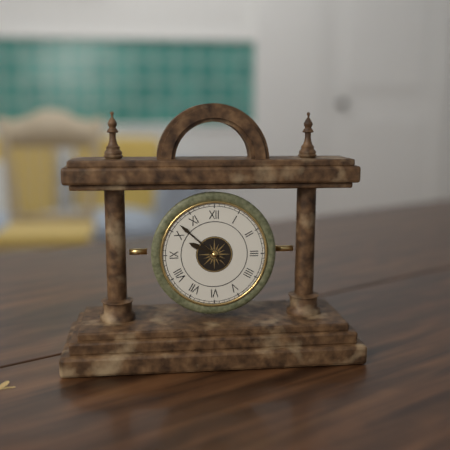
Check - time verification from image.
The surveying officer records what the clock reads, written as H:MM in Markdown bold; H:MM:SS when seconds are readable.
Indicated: **9:52**
